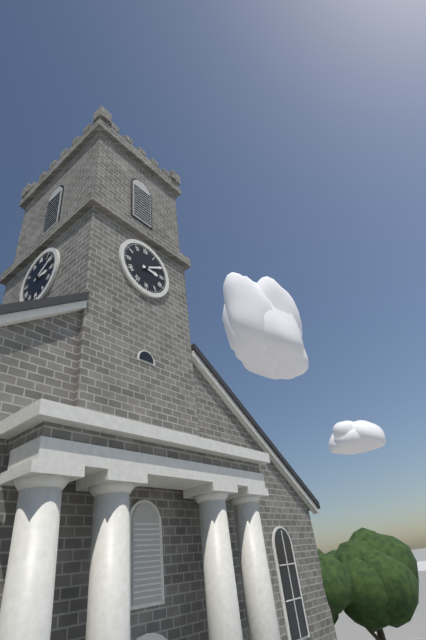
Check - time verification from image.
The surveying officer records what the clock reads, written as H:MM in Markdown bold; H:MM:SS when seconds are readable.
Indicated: **3:10**
